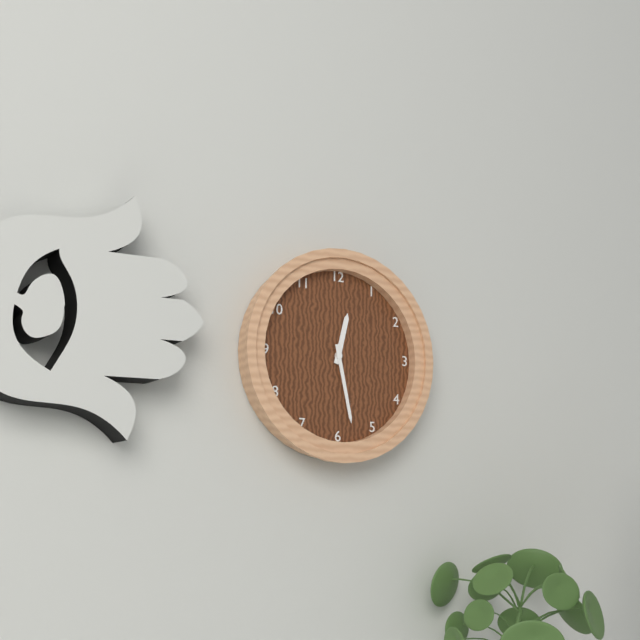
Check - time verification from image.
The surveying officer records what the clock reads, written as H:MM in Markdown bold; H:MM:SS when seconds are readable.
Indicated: **12:28**
